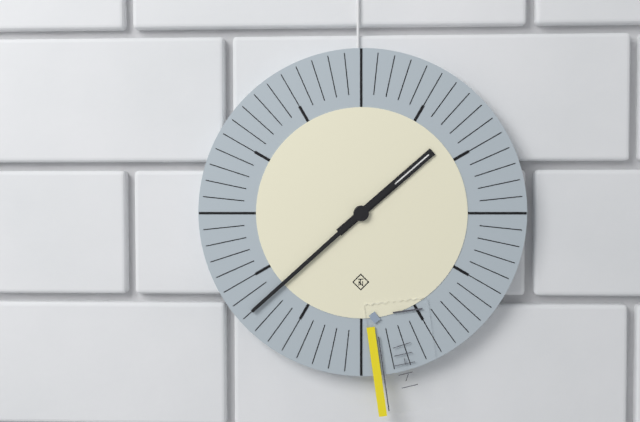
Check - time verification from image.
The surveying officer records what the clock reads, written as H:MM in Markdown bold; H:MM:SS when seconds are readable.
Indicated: **1:38**
